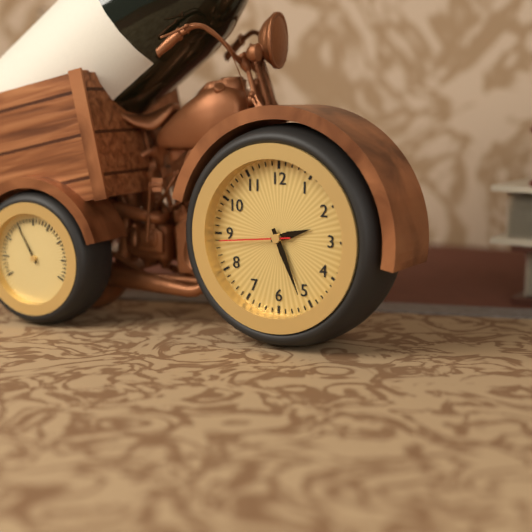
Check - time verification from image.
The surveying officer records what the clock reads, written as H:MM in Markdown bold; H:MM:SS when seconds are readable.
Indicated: **2:26:44**
